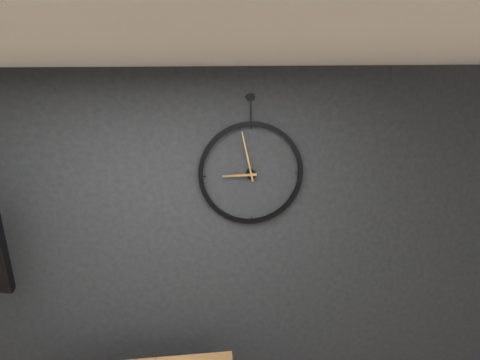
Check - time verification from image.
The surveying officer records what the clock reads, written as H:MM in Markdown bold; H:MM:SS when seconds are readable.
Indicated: **8:58**
